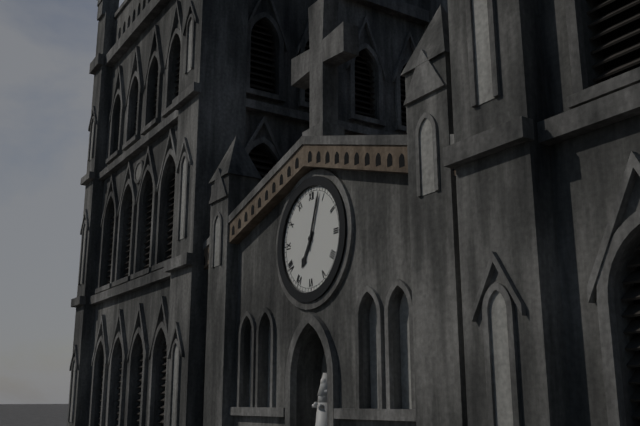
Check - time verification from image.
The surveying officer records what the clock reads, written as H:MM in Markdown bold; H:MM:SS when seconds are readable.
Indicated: **7:03**
